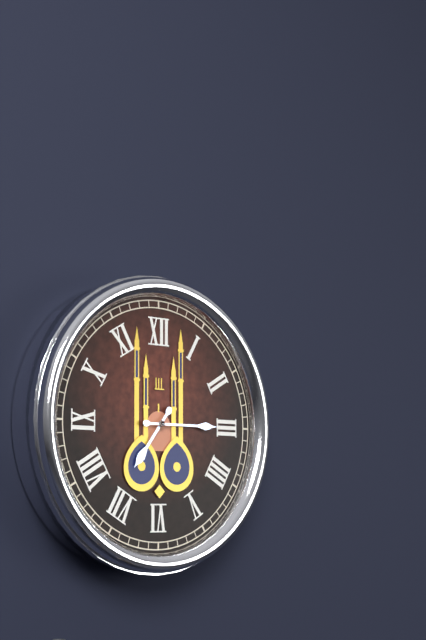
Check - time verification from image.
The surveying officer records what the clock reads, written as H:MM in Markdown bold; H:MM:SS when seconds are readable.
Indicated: **7:15**
